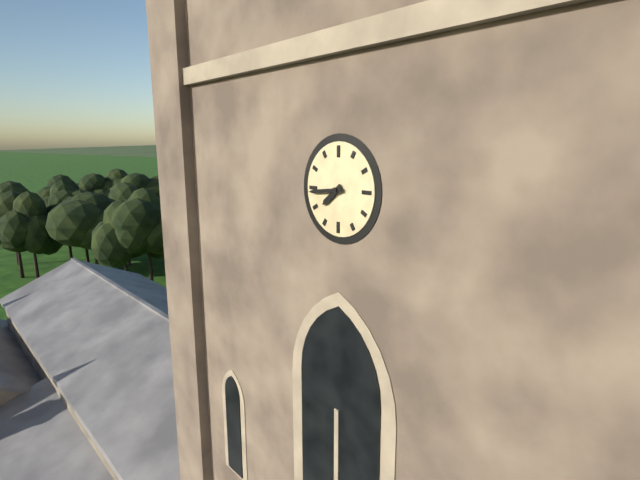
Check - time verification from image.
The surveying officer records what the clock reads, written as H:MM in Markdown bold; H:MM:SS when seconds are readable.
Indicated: **7:44**
